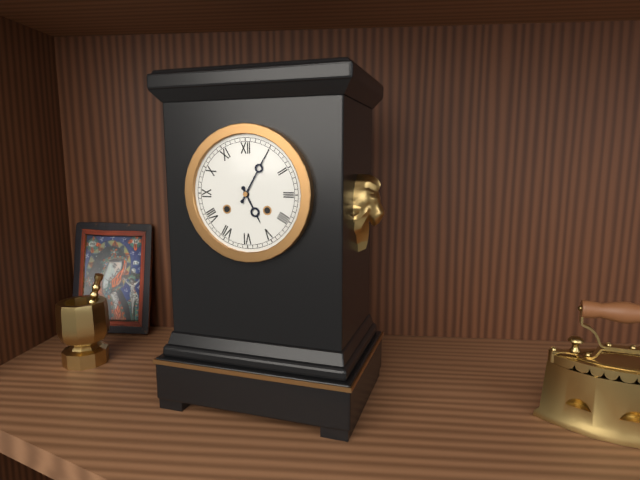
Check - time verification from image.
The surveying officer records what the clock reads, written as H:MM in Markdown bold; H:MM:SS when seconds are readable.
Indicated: **5:05**
